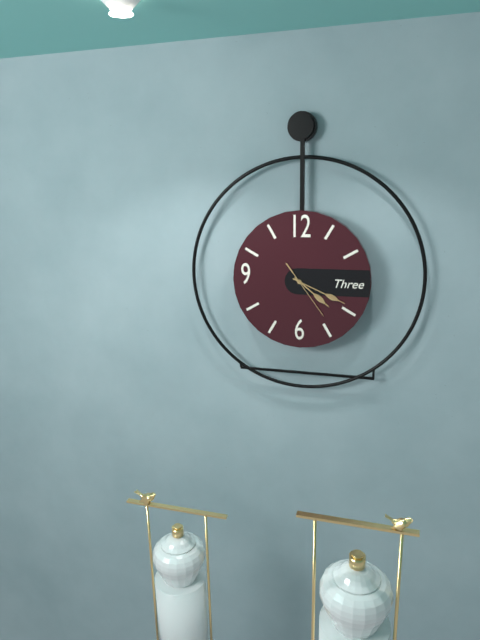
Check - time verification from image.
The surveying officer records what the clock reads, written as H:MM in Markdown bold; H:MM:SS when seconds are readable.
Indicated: **4:19:24**
